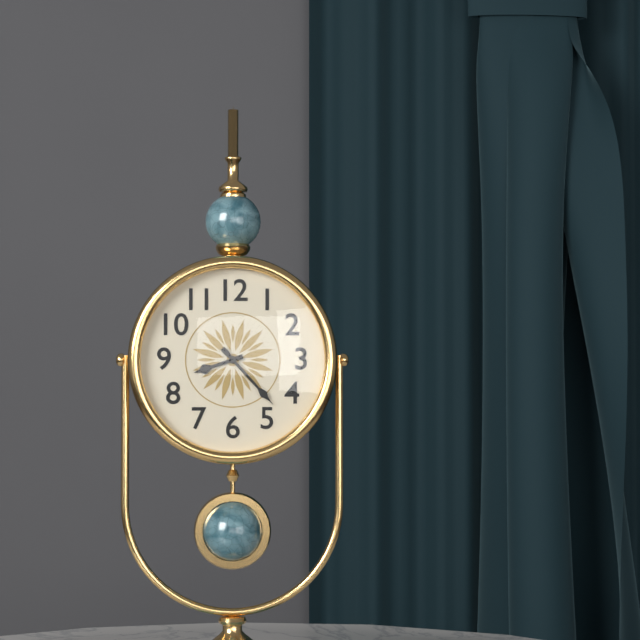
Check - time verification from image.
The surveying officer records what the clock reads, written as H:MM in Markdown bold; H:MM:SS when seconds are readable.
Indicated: **8:23**
